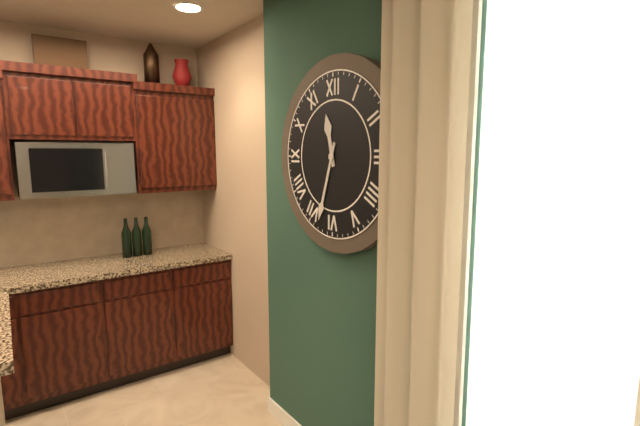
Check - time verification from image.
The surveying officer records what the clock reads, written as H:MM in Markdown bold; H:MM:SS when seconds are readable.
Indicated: **11:33**
